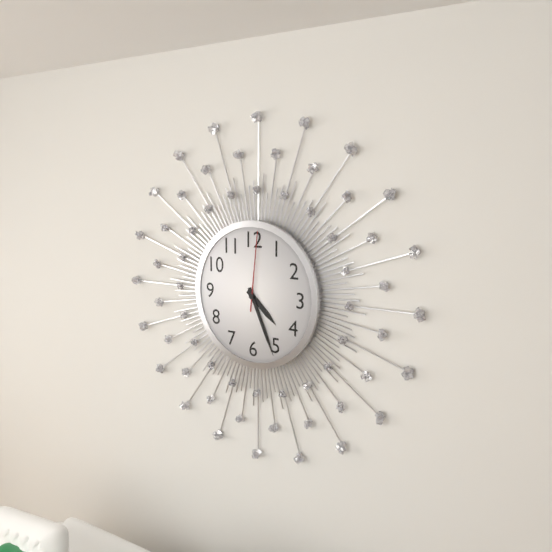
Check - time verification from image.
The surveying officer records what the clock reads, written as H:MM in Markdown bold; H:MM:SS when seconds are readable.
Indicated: **4:26:01**
